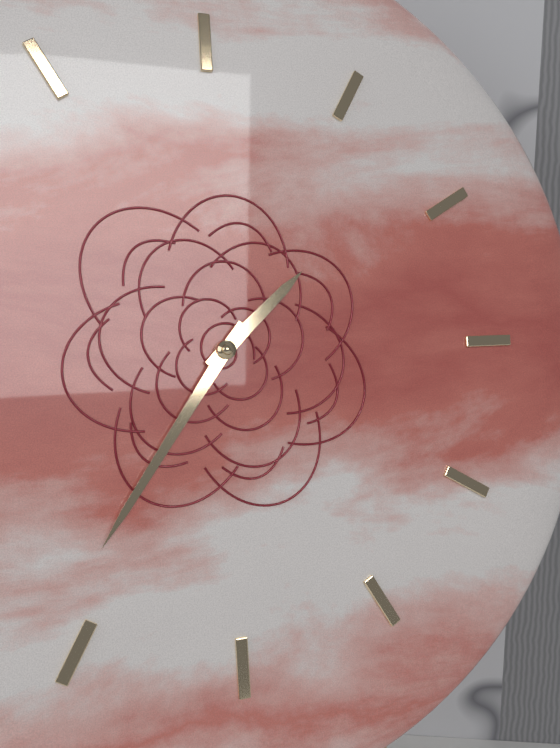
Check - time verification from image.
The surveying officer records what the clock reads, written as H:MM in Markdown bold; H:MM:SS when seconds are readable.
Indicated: **1:36**
